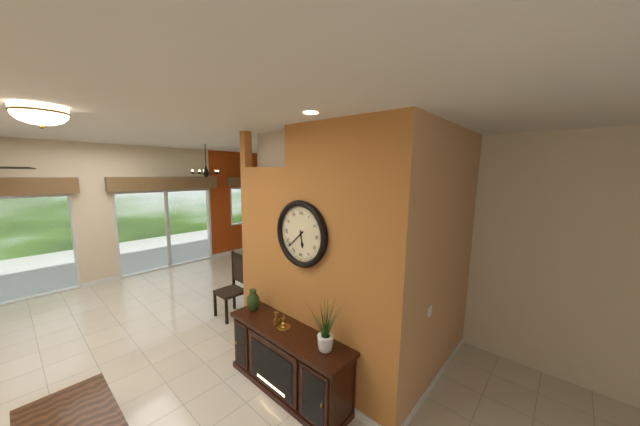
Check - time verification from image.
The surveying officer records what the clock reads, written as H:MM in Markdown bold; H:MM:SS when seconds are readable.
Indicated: **5:38**
